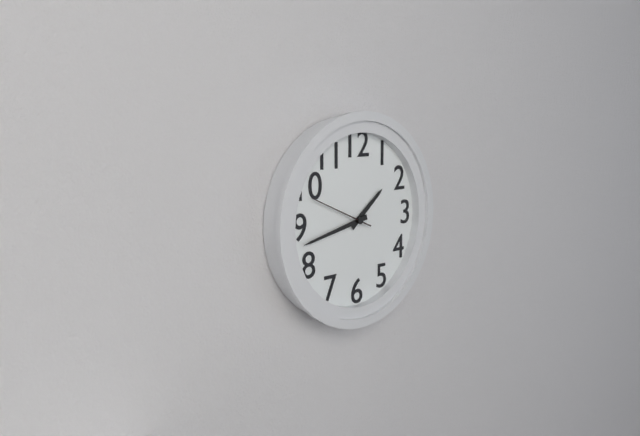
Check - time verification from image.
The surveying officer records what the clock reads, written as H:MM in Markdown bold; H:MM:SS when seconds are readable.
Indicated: **1:43:49**
